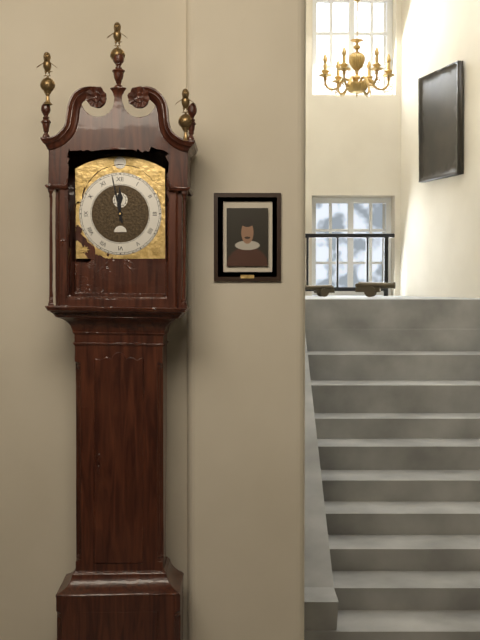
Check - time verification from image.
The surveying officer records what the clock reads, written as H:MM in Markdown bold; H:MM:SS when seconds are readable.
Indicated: **11:58**
